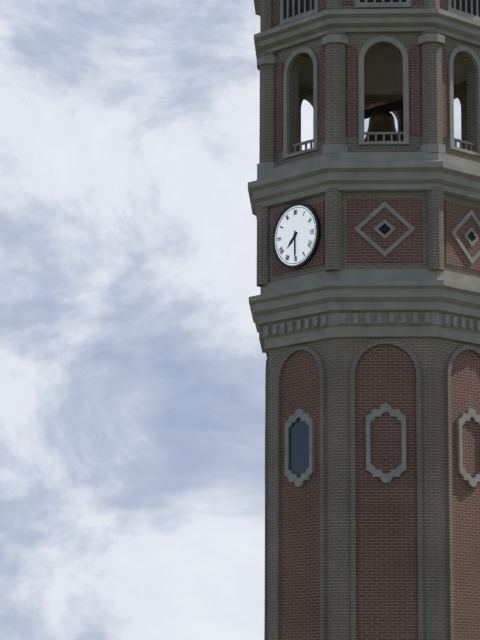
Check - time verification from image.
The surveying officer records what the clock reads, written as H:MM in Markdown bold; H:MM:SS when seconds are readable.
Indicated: **7:30**
